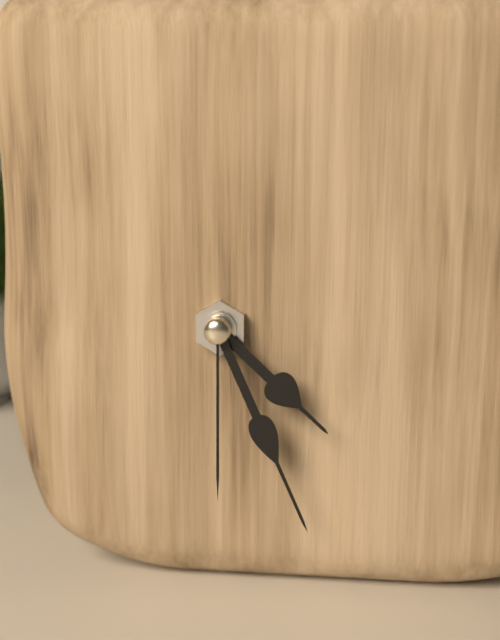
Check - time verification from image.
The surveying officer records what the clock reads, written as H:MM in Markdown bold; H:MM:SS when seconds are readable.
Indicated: **4:26:30**
